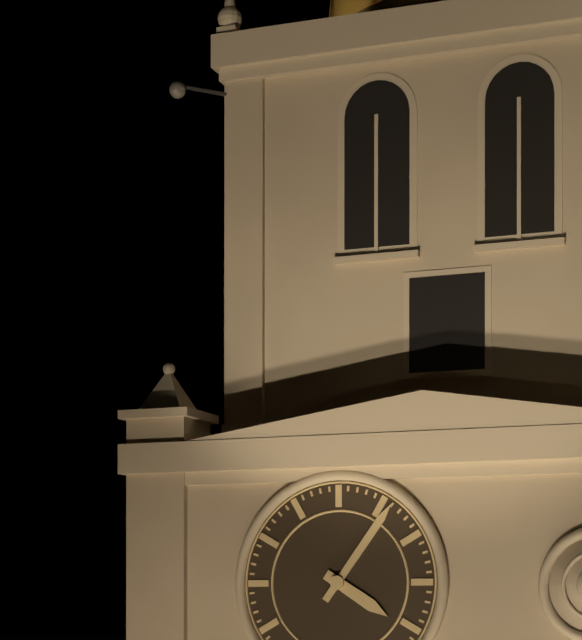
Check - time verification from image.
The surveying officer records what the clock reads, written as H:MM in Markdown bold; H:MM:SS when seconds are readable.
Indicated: **4:06**
